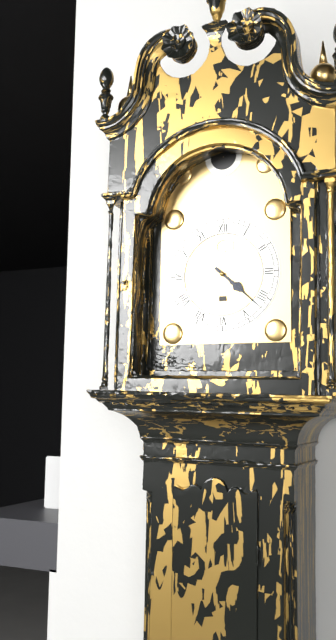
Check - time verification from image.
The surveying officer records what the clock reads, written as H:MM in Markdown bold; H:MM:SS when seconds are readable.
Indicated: **4:22**
